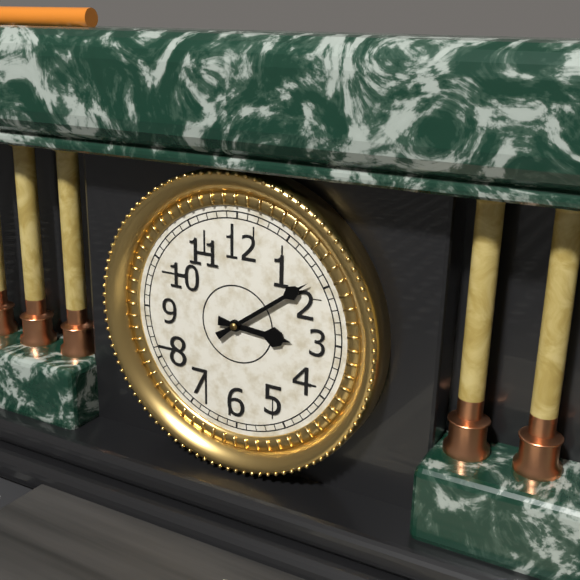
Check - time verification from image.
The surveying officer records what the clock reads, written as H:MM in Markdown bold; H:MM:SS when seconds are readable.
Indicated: **3:09**
